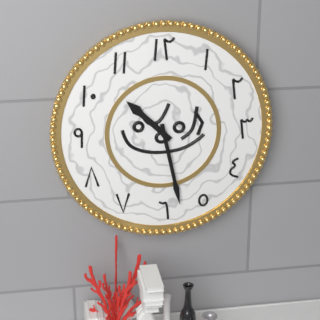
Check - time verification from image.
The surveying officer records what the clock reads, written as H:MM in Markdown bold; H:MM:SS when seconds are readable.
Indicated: **10:28**
